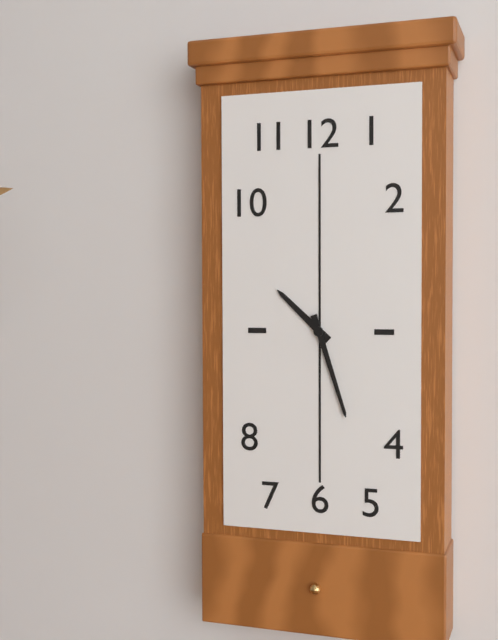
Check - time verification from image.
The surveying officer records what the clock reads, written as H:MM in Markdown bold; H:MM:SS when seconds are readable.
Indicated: **10:27**
